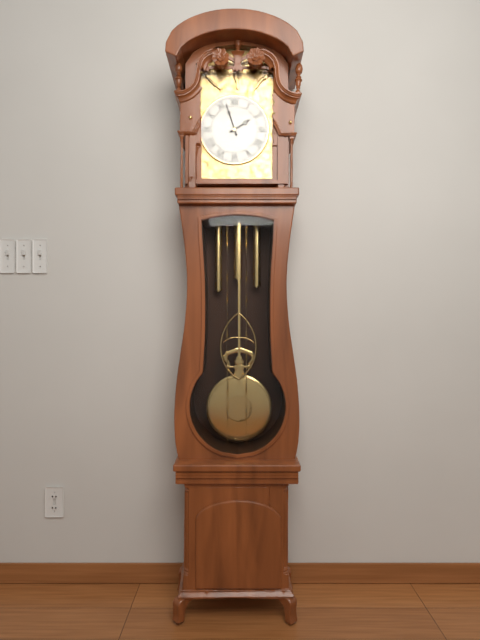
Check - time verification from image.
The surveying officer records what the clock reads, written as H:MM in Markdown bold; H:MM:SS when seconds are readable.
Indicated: **1:57**
